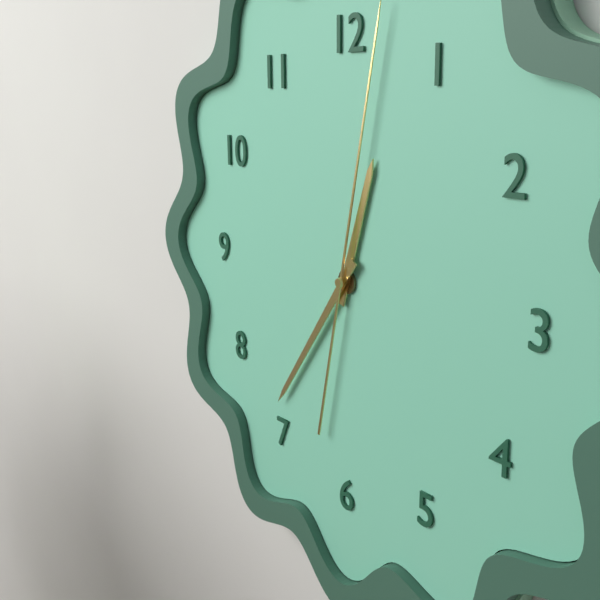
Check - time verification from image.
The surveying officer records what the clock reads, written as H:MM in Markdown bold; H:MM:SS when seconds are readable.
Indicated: **12:36**
